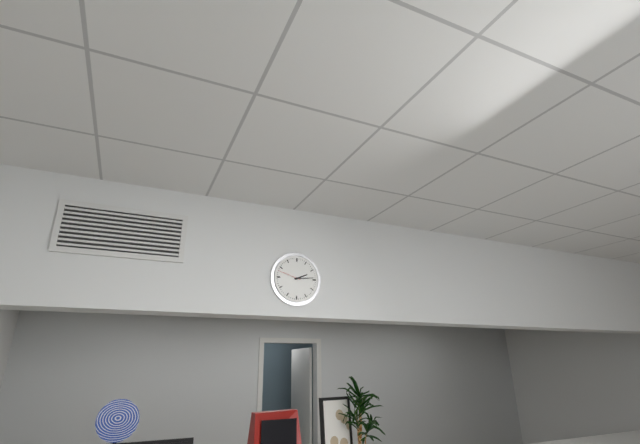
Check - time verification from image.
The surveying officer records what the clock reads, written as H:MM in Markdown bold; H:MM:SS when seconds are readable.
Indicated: **2:14**
